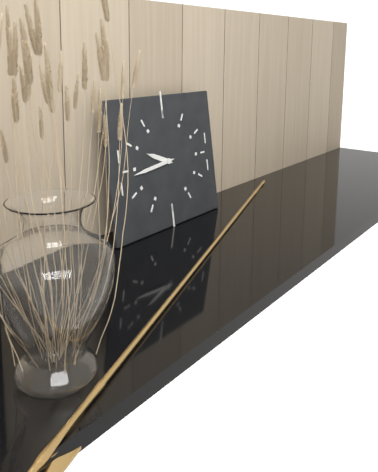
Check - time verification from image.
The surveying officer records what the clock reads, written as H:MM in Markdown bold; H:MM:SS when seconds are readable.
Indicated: **9:44**
